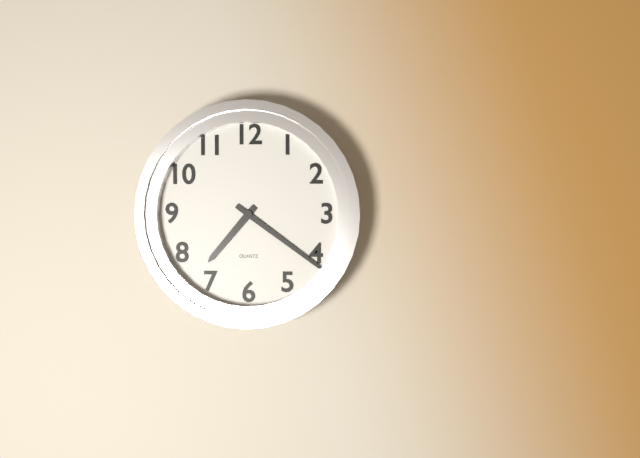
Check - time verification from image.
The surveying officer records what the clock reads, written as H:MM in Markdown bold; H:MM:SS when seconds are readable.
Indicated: **7:21**
